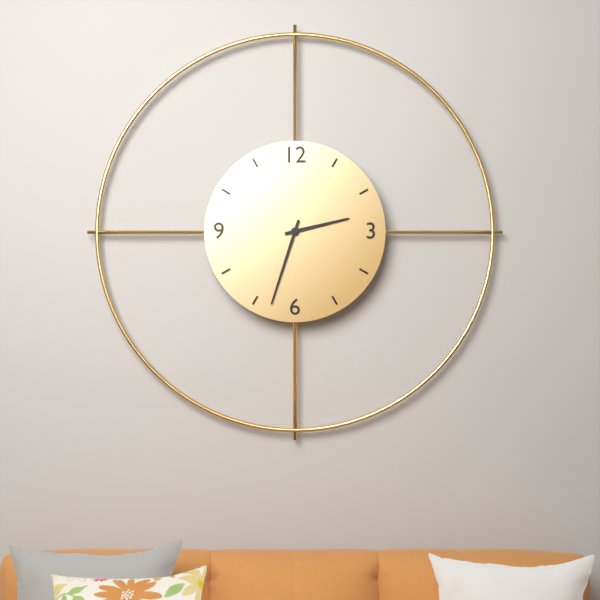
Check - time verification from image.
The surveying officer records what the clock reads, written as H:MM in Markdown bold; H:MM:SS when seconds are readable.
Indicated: **2:33**
